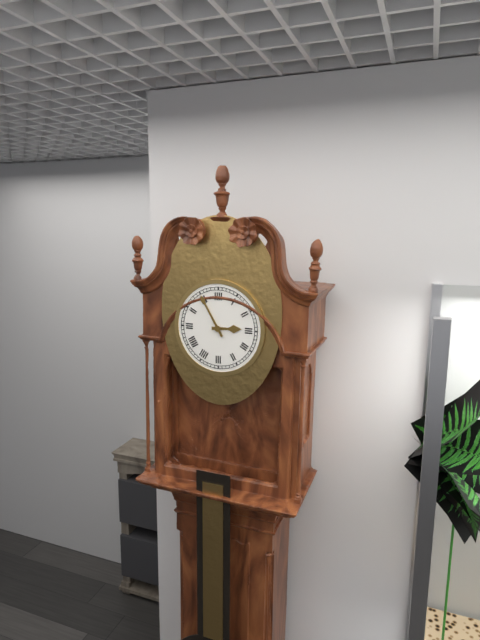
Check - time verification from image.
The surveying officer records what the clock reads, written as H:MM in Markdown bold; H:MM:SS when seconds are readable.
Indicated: **2:55**
